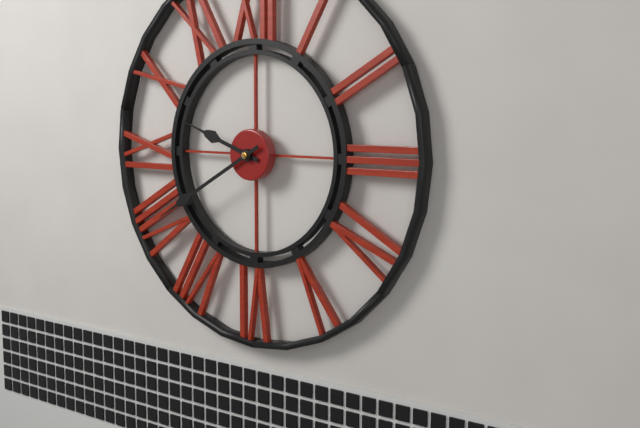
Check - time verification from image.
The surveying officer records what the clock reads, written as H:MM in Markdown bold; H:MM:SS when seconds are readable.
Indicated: **9:40**
